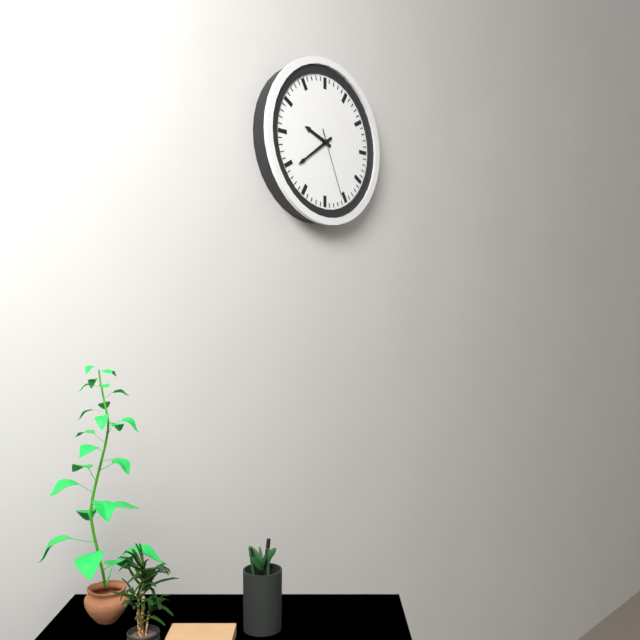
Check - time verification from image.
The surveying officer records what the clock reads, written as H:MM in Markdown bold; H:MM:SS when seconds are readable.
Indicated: **9:39:26**
